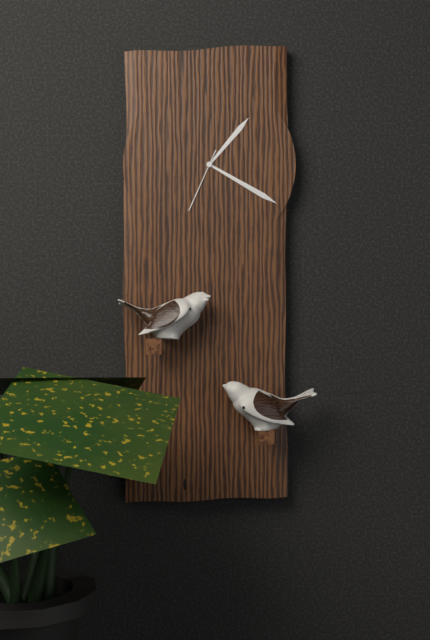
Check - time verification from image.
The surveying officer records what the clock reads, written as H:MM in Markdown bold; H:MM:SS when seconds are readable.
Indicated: **1:20:34**
